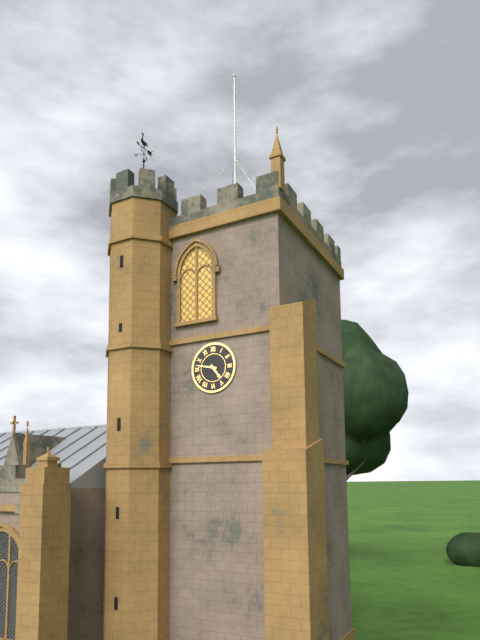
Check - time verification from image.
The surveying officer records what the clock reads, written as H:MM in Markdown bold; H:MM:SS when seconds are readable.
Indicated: **4:47**
